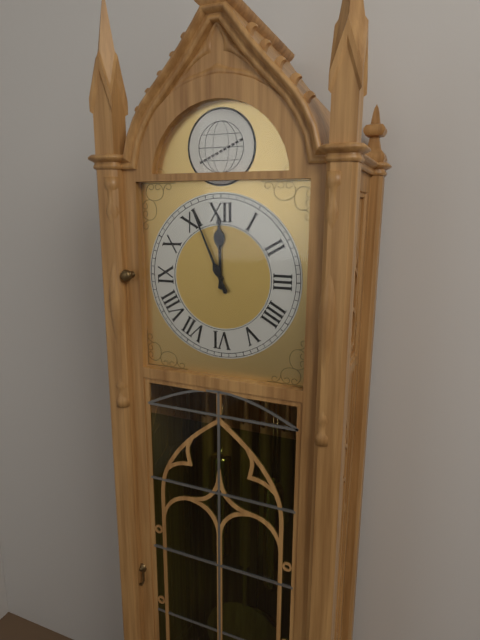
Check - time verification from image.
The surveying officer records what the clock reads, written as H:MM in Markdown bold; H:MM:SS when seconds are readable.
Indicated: **11:56**
